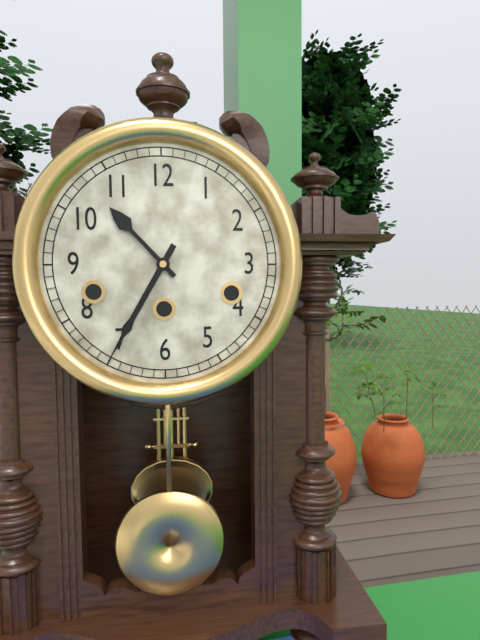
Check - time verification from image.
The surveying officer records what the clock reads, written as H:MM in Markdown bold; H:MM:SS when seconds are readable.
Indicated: **10:35**
